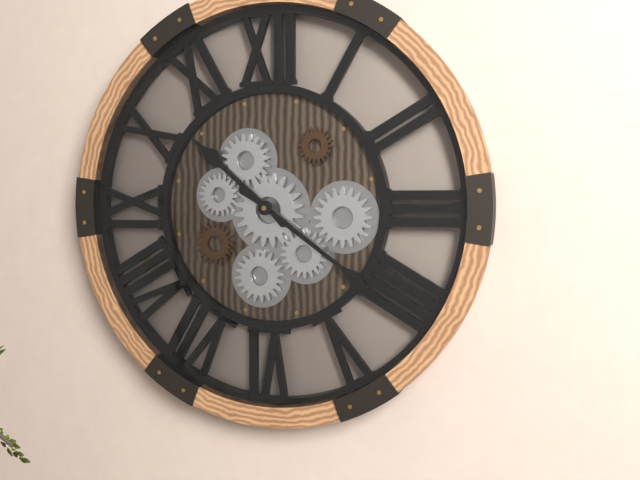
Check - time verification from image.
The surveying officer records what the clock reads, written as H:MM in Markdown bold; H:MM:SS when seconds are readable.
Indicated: **10:21**
